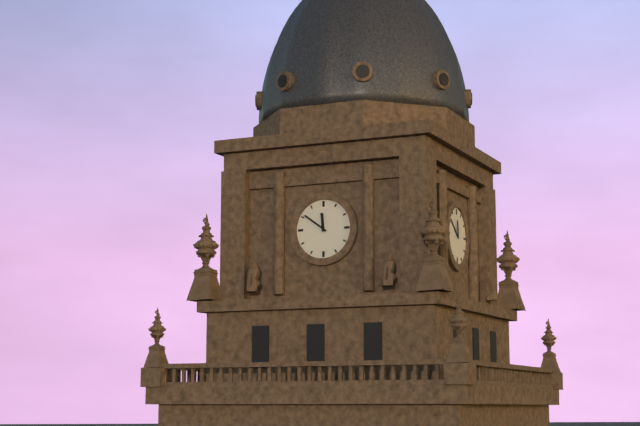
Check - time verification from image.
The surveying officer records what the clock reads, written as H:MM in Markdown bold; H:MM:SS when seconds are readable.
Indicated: **11:51**
